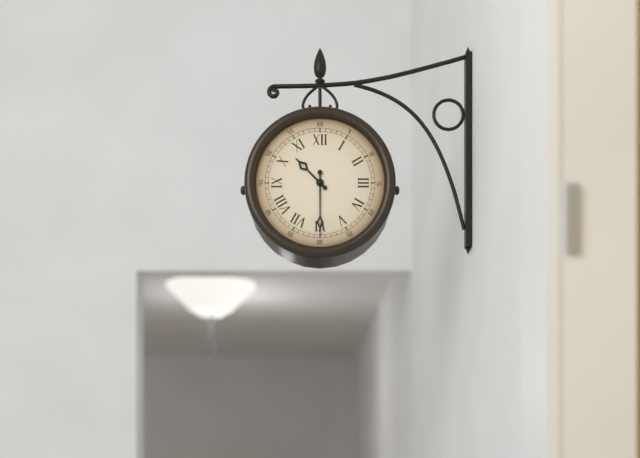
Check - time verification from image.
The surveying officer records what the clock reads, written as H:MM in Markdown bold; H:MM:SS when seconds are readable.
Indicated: **10:30**
